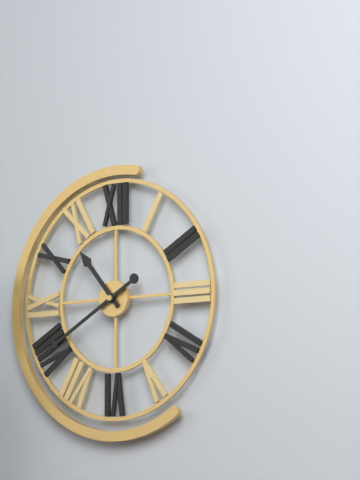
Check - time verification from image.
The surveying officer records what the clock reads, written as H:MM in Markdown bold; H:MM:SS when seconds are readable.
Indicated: **10:40**
